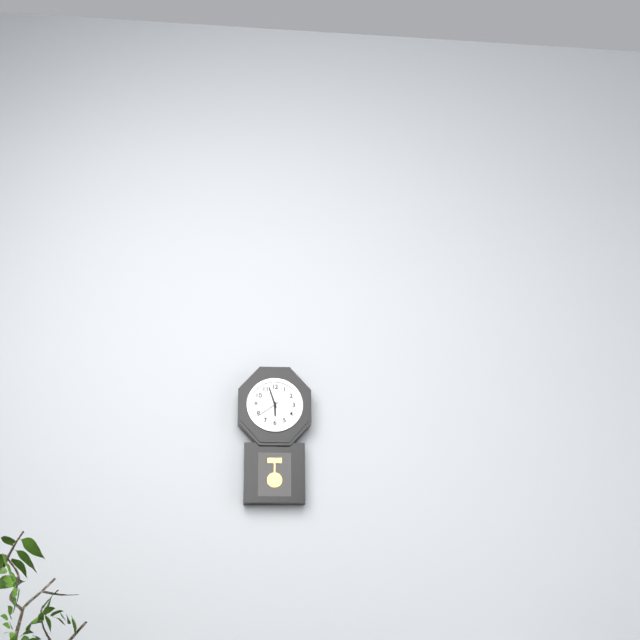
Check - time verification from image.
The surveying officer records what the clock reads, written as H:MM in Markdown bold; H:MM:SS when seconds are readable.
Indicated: **5:57**
